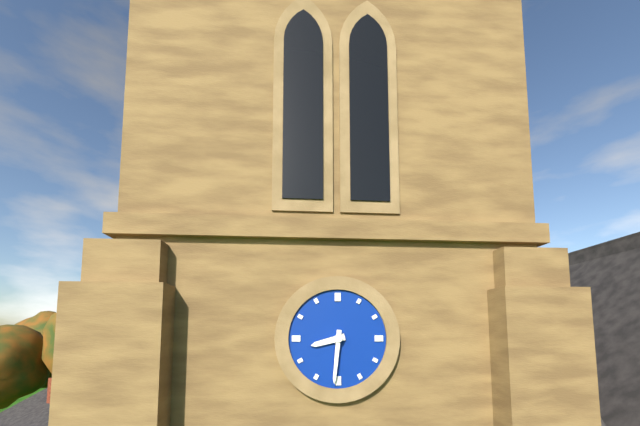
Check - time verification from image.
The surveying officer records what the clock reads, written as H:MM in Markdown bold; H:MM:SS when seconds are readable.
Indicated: **8:31**
